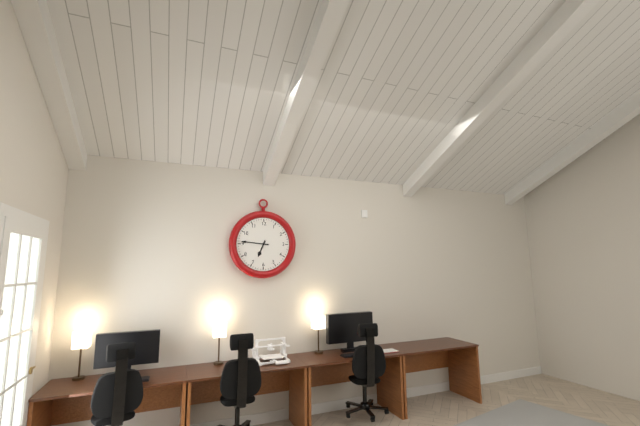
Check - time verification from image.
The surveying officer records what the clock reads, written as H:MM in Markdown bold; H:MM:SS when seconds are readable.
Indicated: **6:46**
